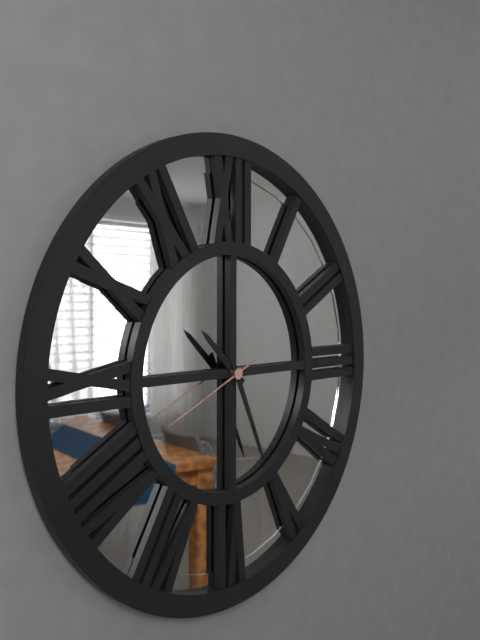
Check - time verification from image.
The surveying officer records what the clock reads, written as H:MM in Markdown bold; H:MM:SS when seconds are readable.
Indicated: **10:26:41**
